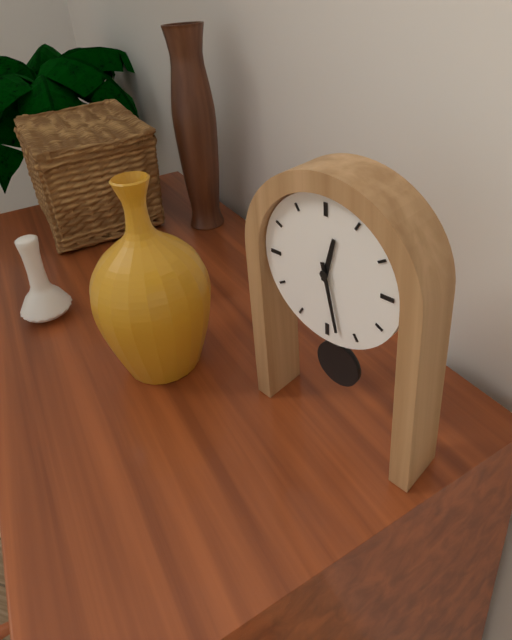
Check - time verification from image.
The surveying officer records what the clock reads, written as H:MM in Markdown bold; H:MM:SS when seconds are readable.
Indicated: **12:28**
